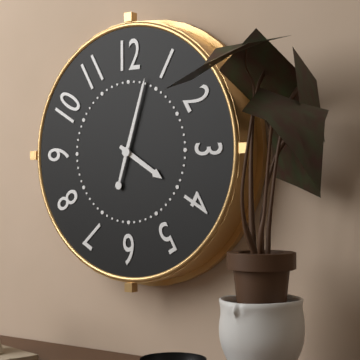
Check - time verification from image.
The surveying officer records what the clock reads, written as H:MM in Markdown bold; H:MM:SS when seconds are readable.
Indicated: **4:03**
